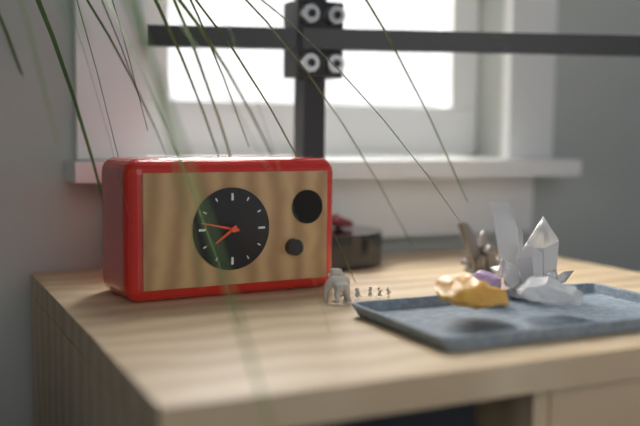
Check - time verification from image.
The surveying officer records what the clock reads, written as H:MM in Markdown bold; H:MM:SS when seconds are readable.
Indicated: **7:47**
